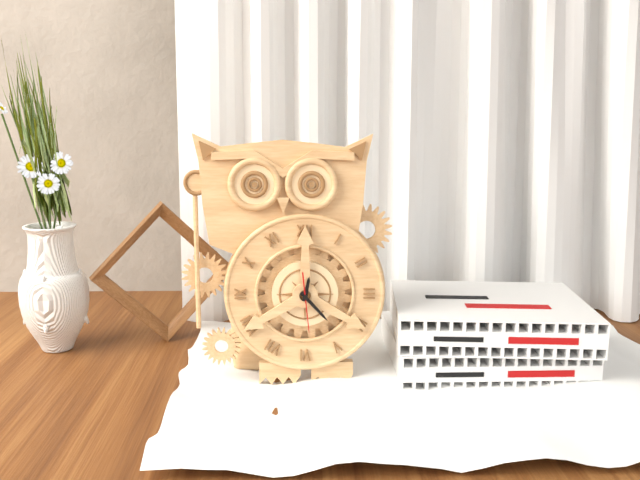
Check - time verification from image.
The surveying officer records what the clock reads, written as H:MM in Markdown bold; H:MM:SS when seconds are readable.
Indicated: **12:23**
